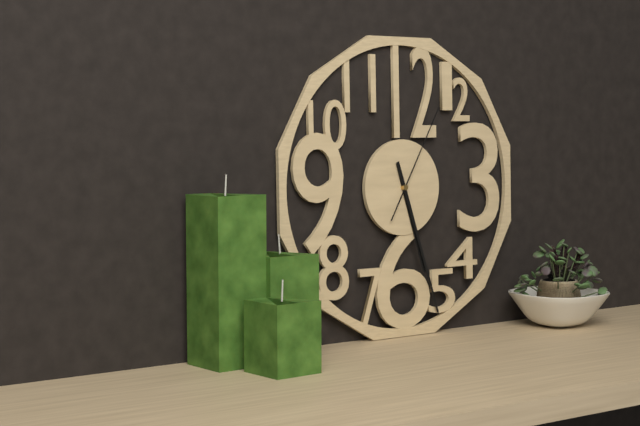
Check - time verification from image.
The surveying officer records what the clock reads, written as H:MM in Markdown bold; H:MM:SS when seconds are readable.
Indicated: **5:27:05**
